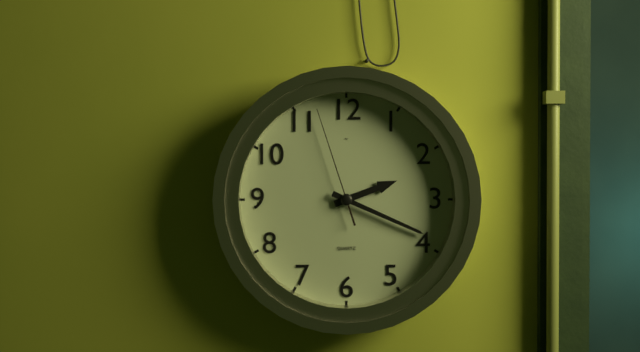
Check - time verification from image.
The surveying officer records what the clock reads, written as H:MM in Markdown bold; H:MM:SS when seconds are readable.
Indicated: **2:19:57**
